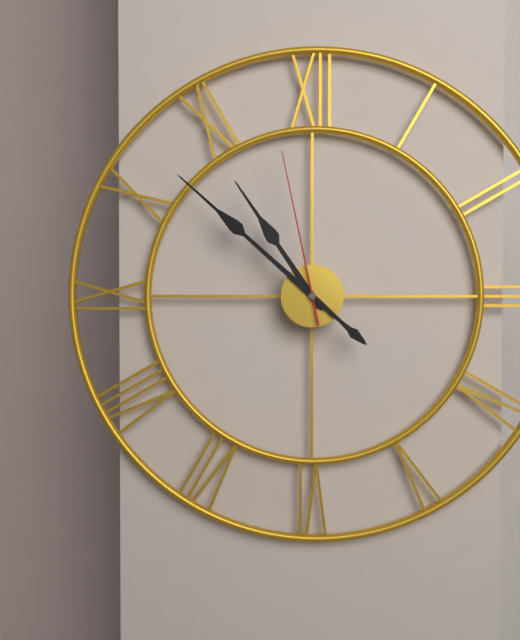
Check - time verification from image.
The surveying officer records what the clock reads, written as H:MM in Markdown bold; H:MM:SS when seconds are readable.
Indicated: **10:52:58**
